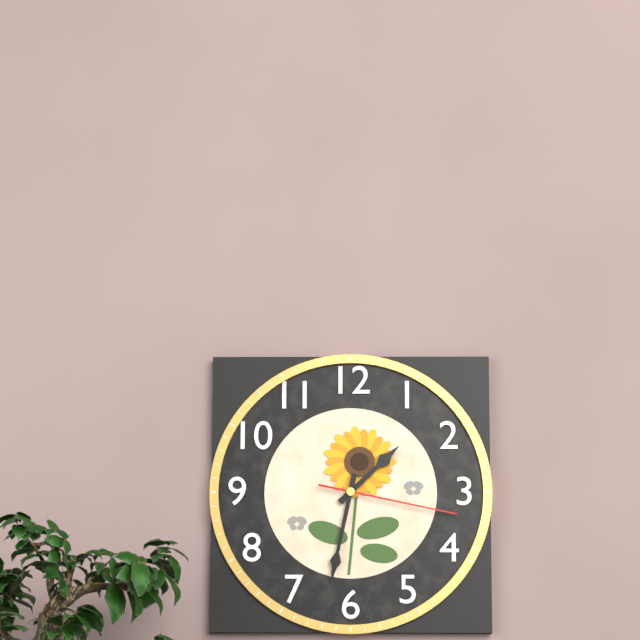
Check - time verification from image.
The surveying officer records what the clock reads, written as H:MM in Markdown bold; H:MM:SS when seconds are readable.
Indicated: **1:32:17**
